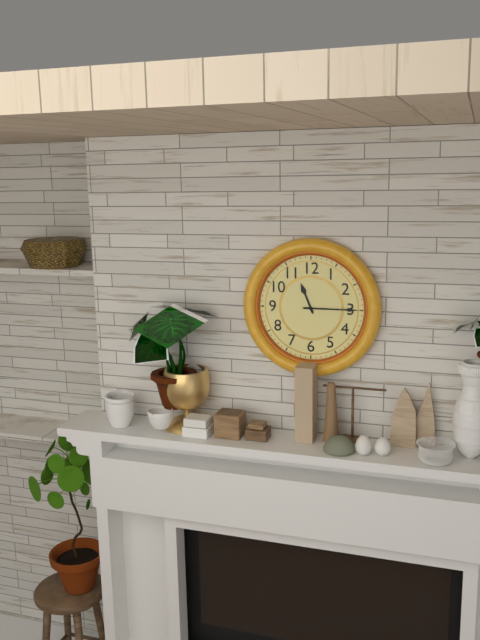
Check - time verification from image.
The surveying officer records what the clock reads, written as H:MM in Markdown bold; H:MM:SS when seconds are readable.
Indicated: **11:15**
